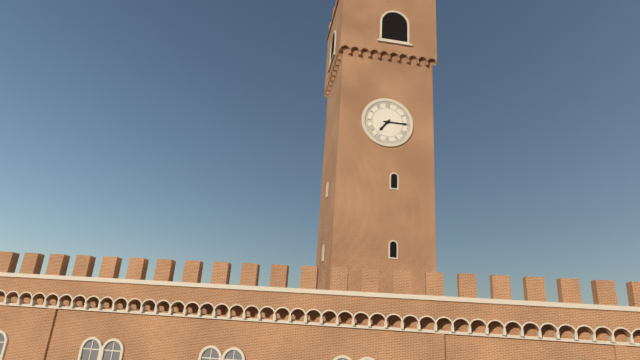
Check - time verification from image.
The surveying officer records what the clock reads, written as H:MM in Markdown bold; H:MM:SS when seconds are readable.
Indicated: **7:15**
